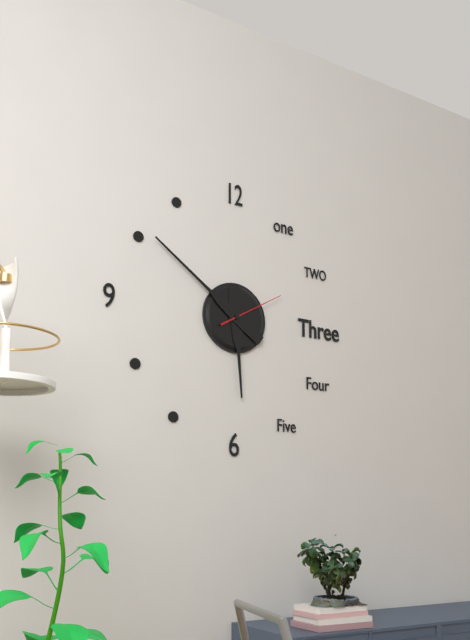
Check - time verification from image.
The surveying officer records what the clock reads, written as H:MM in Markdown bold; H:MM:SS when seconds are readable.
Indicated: **5:51:10**
